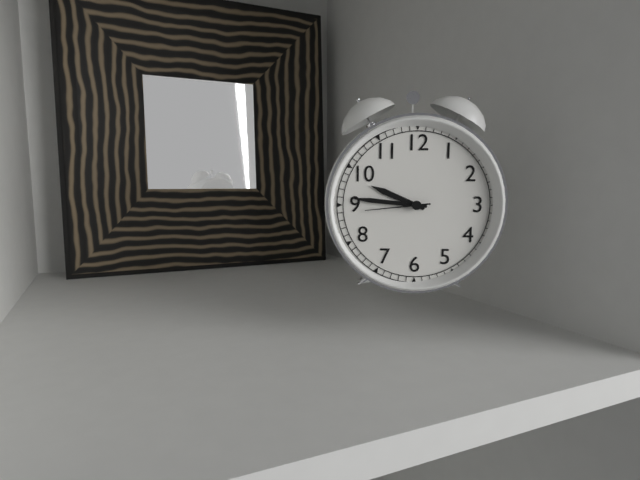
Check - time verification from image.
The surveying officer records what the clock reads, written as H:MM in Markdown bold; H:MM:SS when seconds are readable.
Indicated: **9:46:44**
